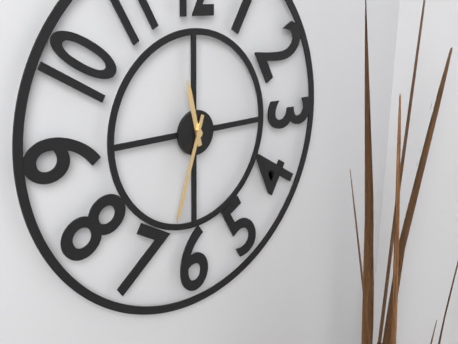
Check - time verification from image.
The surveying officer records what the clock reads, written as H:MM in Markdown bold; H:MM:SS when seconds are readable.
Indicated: **11:33**
